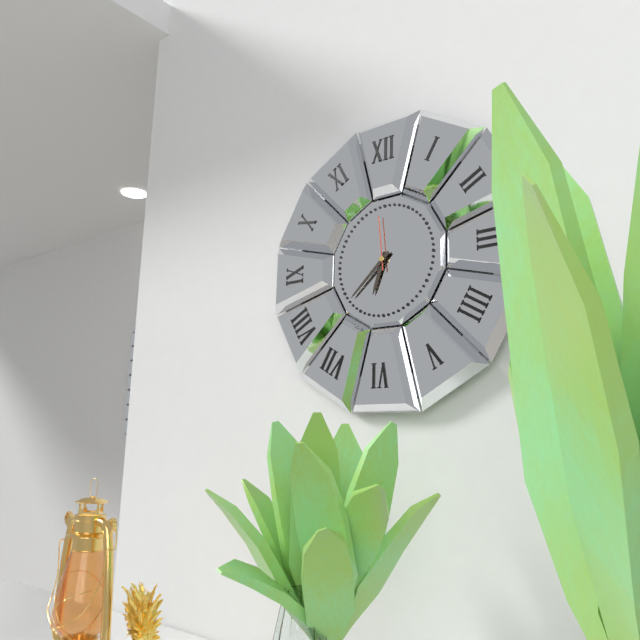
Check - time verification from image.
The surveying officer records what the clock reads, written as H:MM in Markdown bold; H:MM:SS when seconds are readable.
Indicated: **6:38:59**
